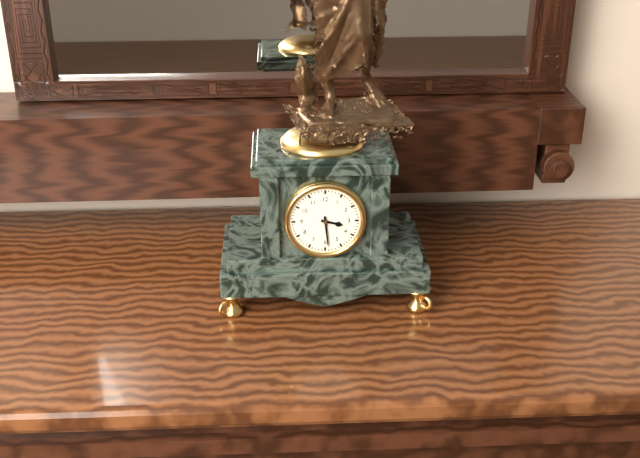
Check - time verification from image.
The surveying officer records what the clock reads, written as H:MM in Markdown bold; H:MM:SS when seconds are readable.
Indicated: **3:29**
